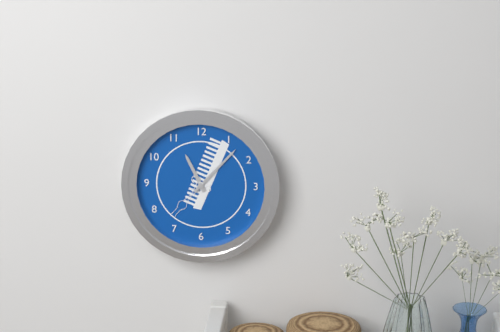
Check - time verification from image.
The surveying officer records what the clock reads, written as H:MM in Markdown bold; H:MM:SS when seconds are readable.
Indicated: **11:07**
